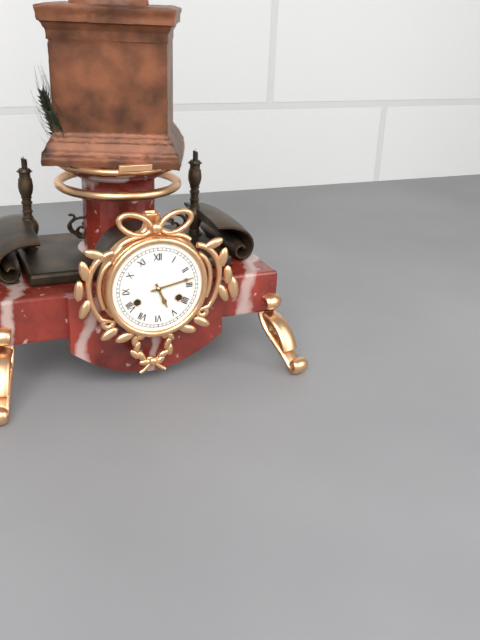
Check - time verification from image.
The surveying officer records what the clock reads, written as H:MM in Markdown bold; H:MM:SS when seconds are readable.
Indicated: **5:13**
